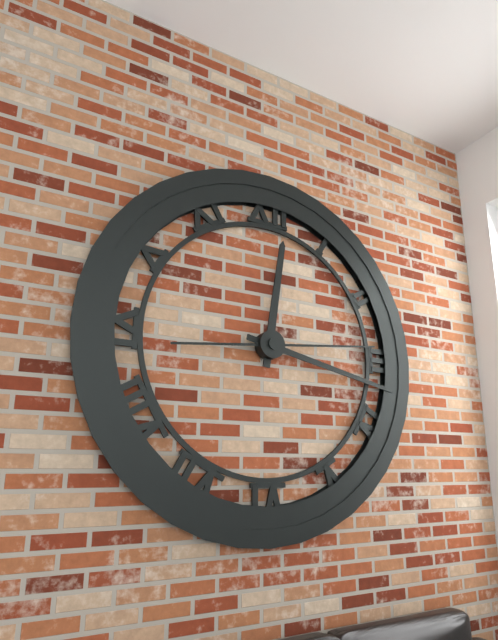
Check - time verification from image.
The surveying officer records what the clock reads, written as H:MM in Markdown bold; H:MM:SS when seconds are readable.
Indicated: **12:17:14**
